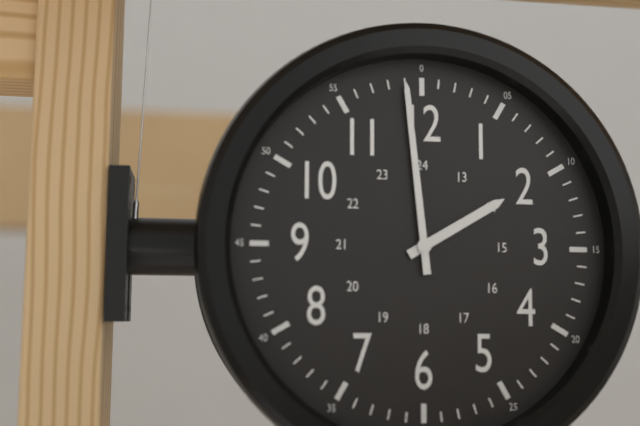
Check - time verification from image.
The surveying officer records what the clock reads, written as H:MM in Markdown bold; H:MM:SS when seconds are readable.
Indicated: **1:59**
